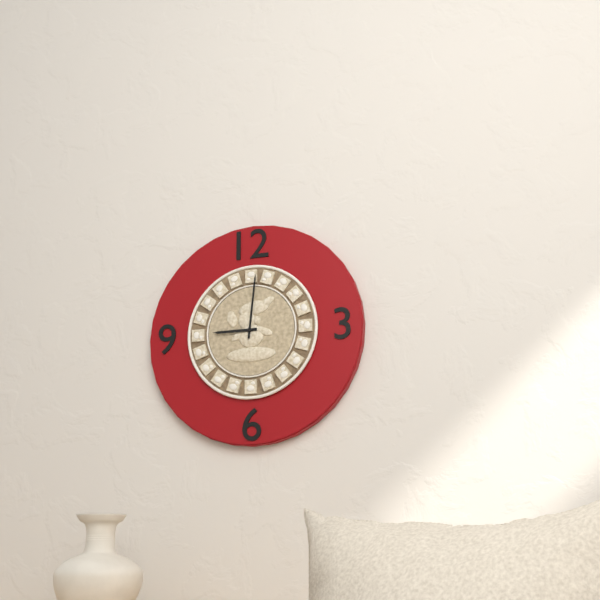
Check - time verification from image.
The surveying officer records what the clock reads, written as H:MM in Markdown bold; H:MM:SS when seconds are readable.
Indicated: **9:01**
